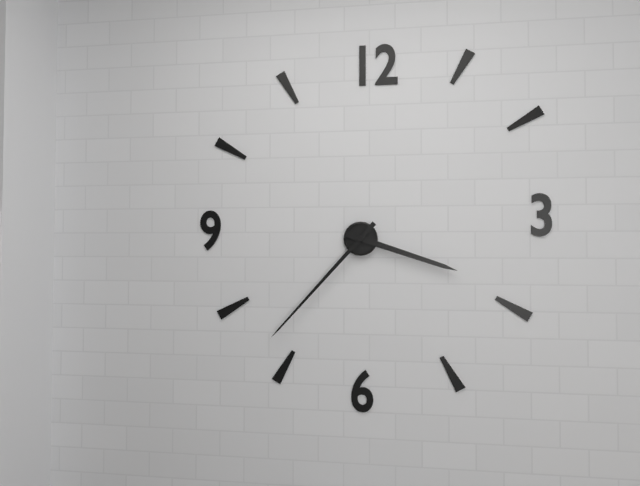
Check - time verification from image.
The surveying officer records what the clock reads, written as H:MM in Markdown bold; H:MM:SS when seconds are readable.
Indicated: **3:37**
